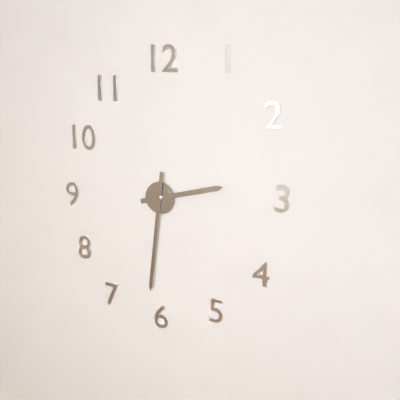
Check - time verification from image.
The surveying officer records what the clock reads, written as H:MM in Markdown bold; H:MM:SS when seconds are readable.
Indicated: **2:31**
